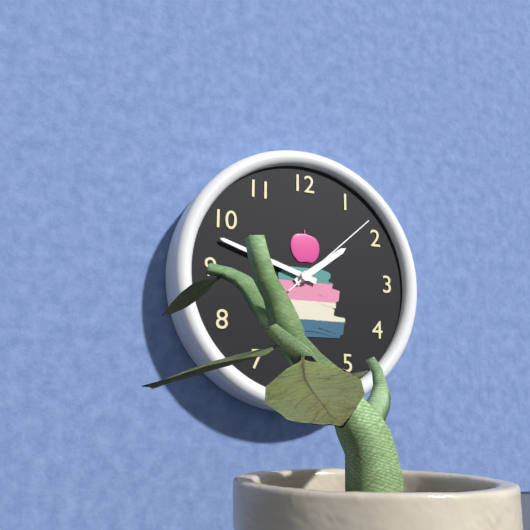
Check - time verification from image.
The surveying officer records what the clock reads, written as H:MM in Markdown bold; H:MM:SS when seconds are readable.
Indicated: **1:48:08**
